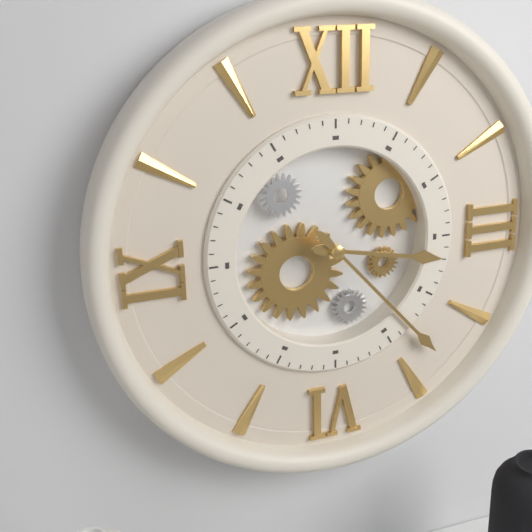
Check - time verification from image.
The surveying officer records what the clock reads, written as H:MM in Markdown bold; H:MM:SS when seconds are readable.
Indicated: **3:23**
